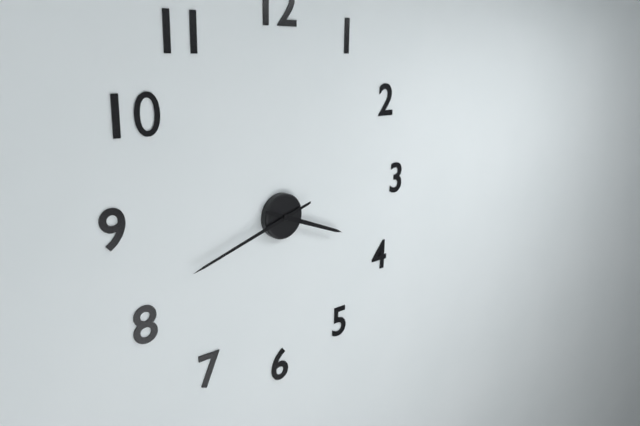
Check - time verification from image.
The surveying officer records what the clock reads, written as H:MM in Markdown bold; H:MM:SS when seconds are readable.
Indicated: **3:42**
